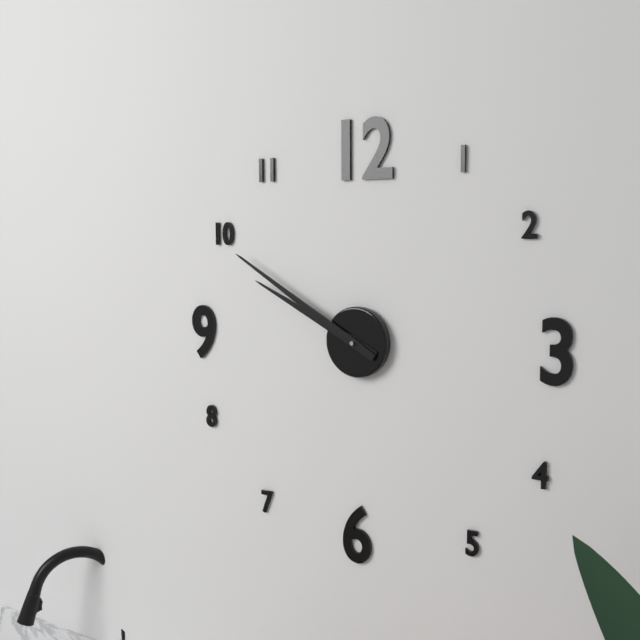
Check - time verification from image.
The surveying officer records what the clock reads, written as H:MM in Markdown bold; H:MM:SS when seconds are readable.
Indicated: **9:50**
